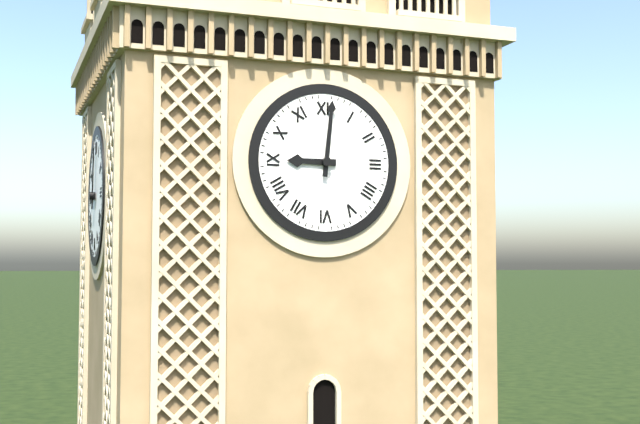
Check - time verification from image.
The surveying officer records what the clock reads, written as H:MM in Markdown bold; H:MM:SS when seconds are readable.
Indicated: **9:01**
